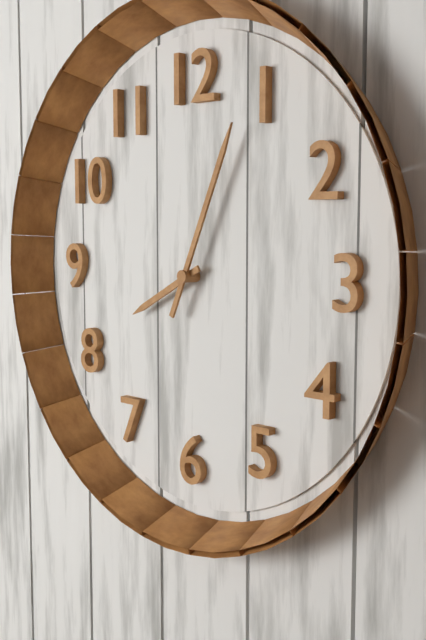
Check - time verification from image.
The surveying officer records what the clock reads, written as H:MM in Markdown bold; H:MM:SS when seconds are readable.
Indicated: **8:04**
